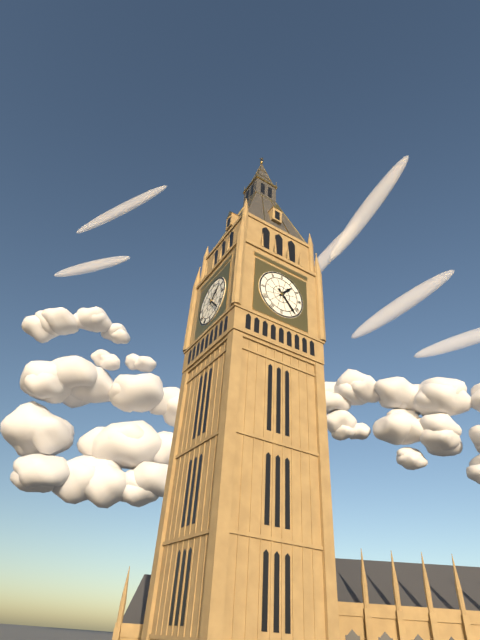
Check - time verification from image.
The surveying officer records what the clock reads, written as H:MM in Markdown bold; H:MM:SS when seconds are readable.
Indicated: **1:23**
